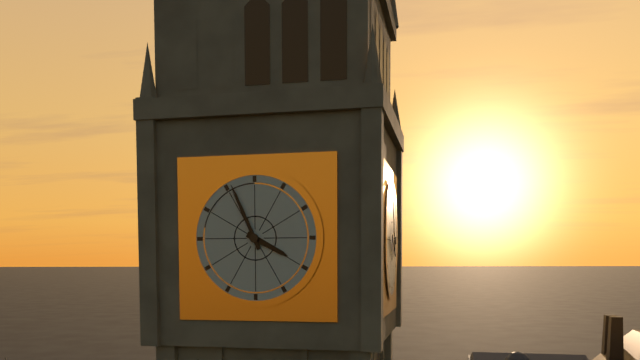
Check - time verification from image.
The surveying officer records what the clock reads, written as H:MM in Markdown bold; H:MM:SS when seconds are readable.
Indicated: **3:56**
